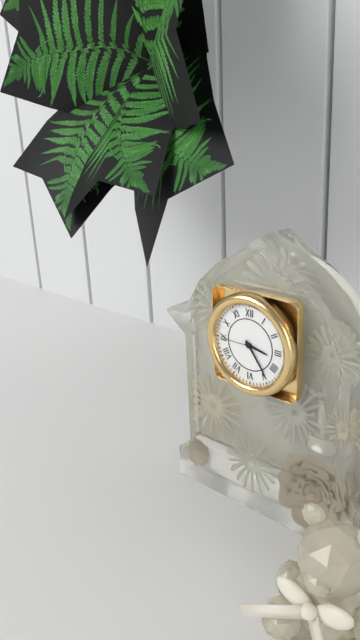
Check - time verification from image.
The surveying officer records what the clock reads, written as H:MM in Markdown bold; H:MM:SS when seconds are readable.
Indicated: **3:24**
